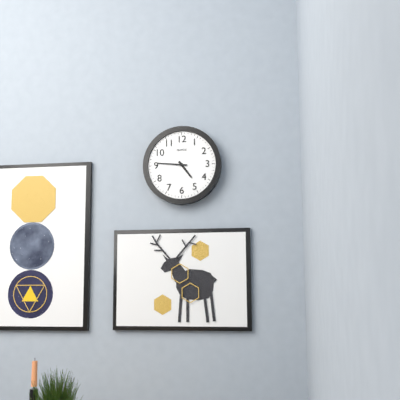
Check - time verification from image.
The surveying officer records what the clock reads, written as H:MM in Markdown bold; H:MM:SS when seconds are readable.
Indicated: **4:46**
